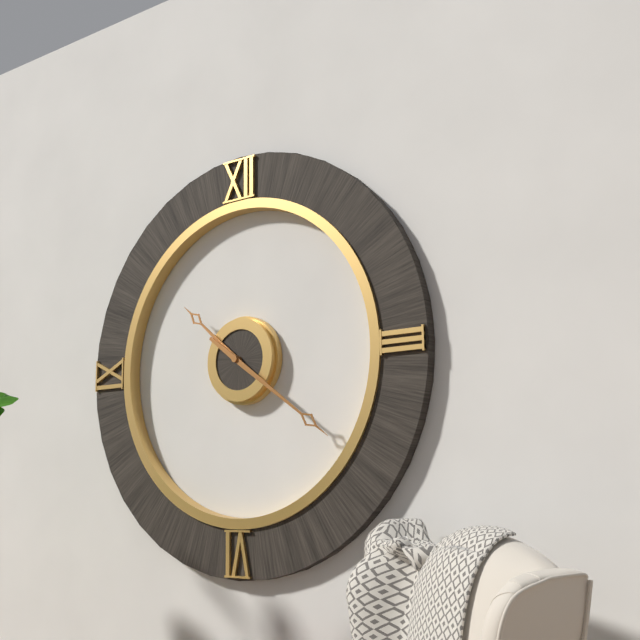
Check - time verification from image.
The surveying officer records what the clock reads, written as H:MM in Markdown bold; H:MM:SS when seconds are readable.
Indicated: **10:21**
